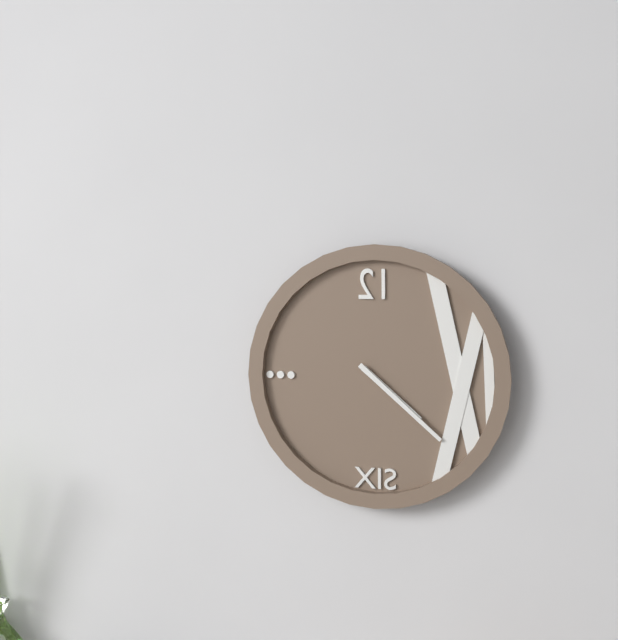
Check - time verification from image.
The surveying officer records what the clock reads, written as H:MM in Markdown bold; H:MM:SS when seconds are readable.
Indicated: **4:22**
